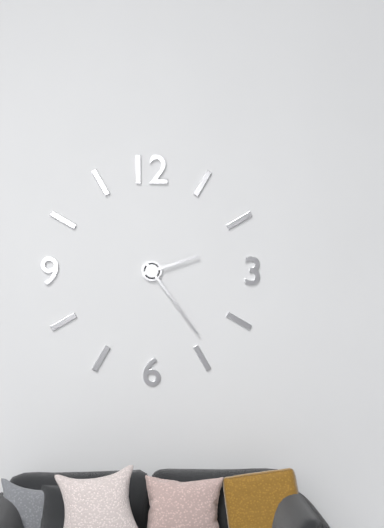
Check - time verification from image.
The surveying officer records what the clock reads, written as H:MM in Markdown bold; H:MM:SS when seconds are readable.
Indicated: **2:24**
